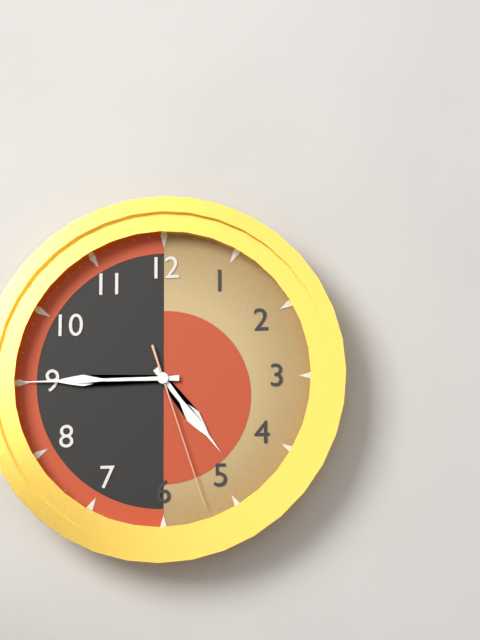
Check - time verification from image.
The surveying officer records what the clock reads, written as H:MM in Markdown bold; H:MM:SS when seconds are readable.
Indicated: **4:45:27**
